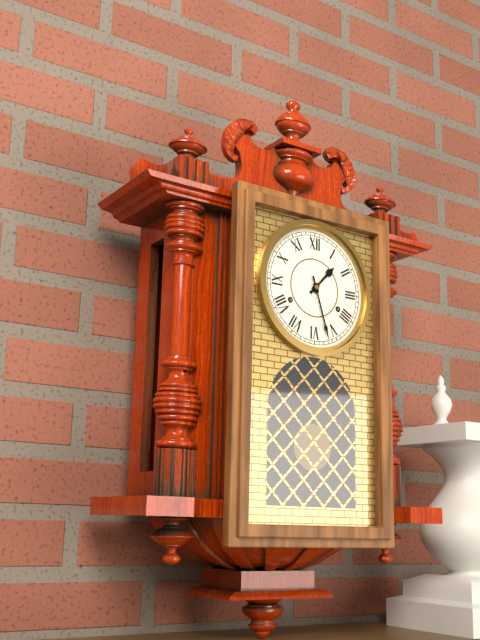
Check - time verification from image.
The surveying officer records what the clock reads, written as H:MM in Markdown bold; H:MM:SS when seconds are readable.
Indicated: **1:27**
